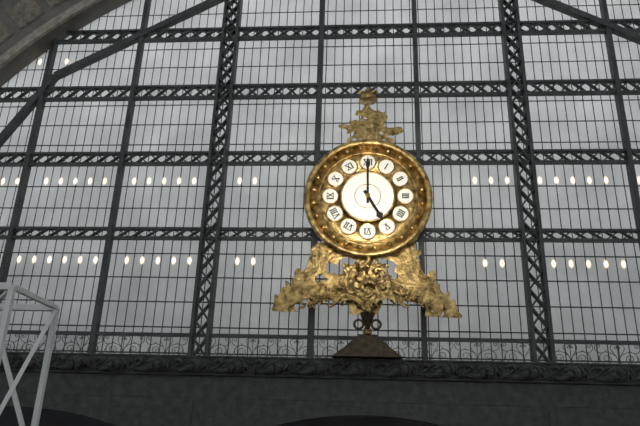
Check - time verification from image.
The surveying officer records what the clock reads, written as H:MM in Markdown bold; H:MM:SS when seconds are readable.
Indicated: **5:00**
